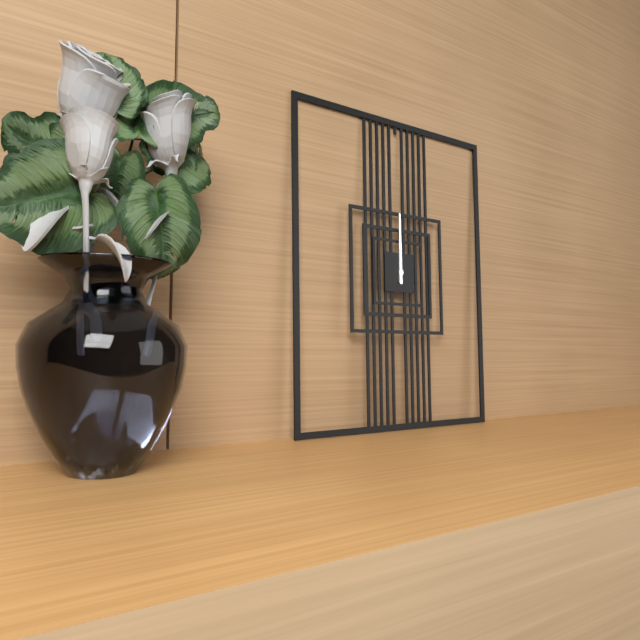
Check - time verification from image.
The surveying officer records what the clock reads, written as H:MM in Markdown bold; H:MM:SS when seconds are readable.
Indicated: **12:00**
